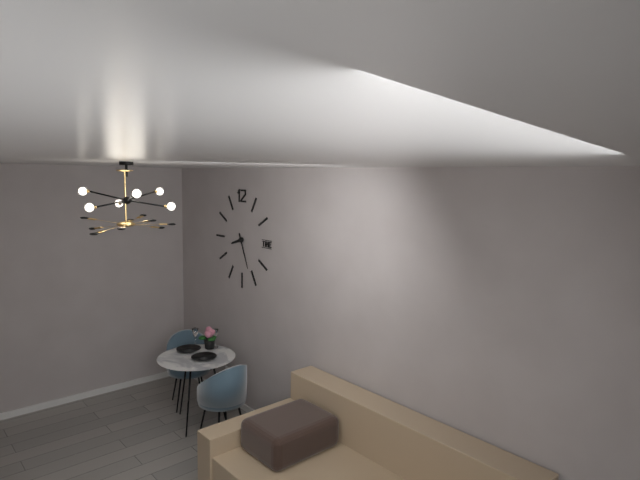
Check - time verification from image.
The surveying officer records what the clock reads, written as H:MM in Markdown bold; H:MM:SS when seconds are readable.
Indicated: **8:26**
